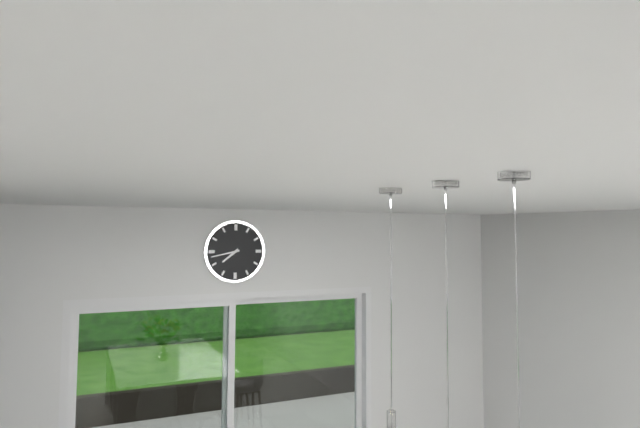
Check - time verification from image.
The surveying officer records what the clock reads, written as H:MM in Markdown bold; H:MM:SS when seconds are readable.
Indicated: **7:43**
